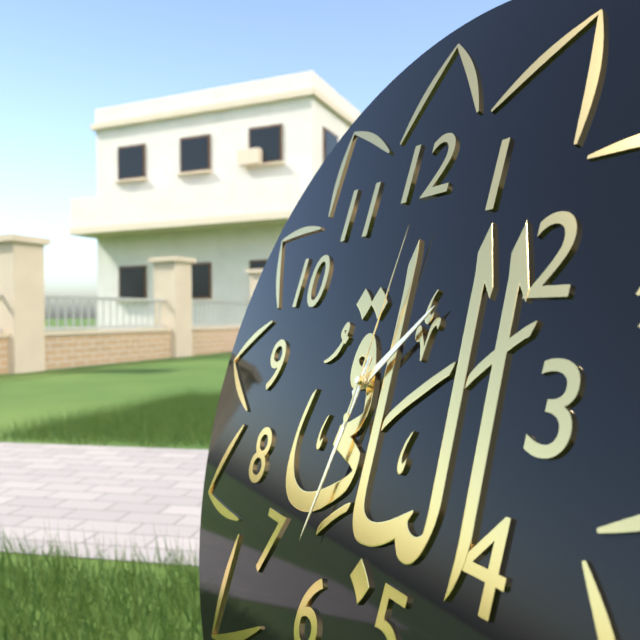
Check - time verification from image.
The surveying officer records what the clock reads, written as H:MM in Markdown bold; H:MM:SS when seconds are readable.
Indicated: **1:32:01**
